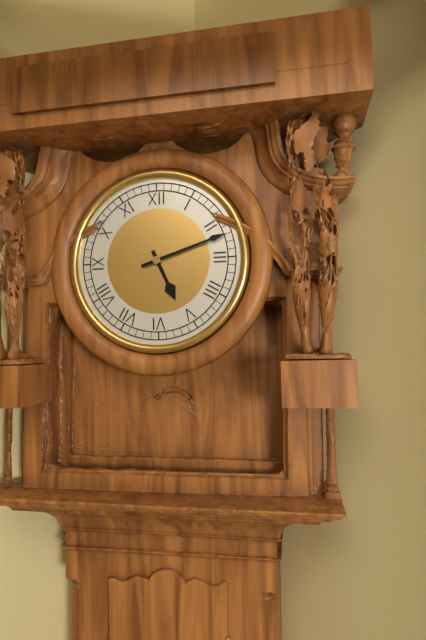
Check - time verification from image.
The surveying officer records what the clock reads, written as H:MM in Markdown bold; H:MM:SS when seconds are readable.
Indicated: **5:12**
